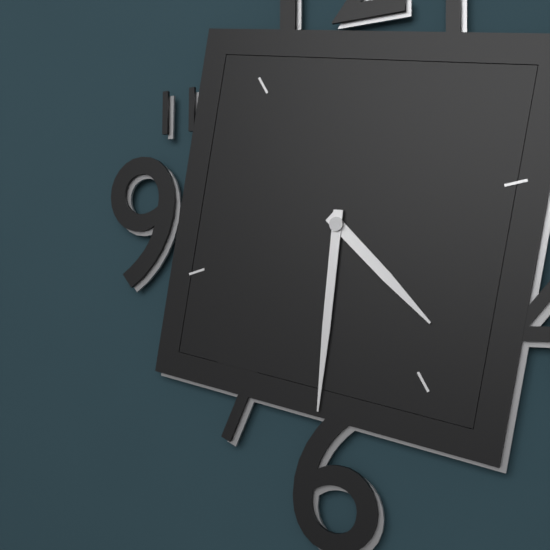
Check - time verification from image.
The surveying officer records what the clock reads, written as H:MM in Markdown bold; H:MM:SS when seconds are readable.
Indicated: **4:31**
